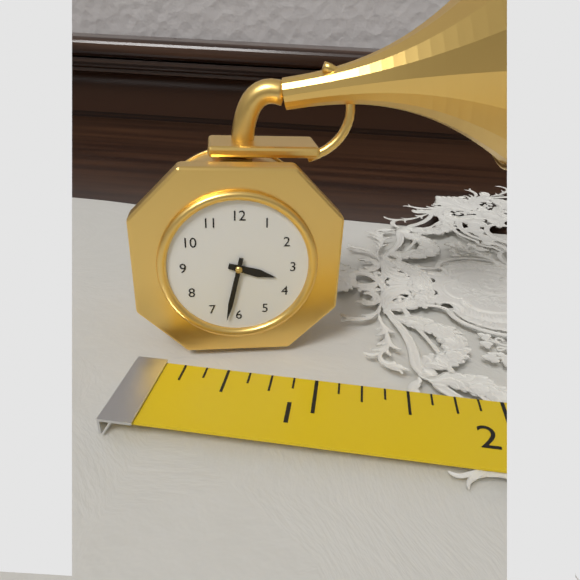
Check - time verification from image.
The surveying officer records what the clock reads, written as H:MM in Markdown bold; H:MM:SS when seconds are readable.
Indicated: **3:32**
